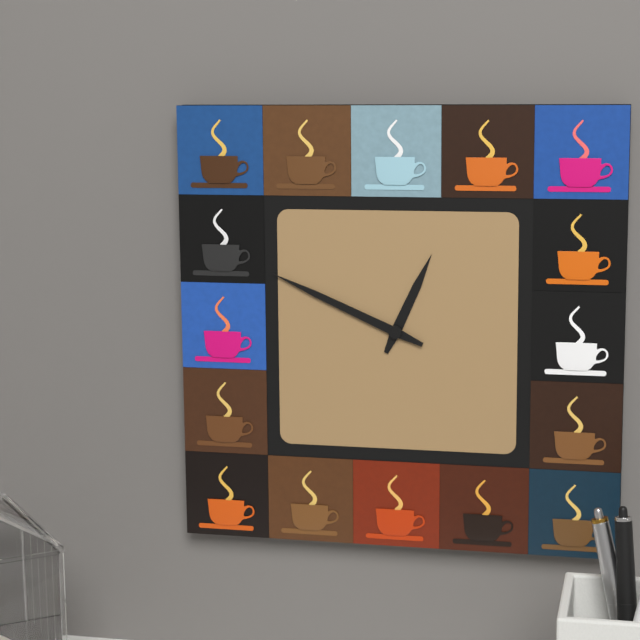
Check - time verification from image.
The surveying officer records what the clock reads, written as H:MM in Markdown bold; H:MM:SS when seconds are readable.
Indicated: **12:49**
